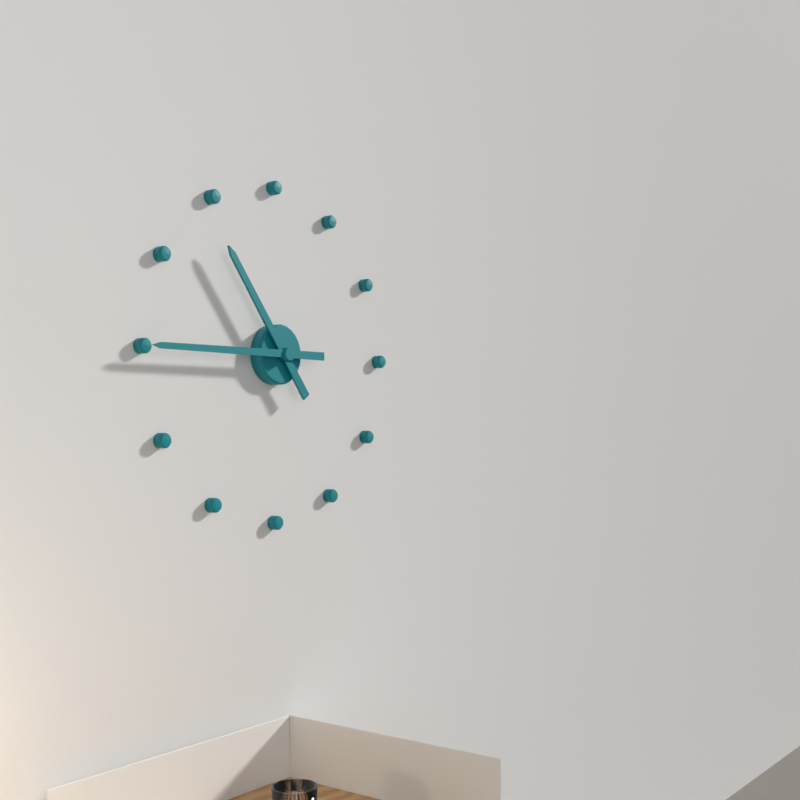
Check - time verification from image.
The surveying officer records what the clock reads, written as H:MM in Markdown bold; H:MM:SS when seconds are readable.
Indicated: **10:45**
